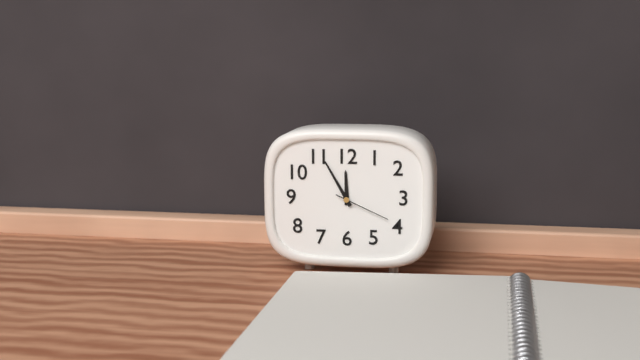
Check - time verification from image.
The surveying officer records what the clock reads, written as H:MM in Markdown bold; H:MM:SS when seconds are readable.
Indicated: **11:55:19**
